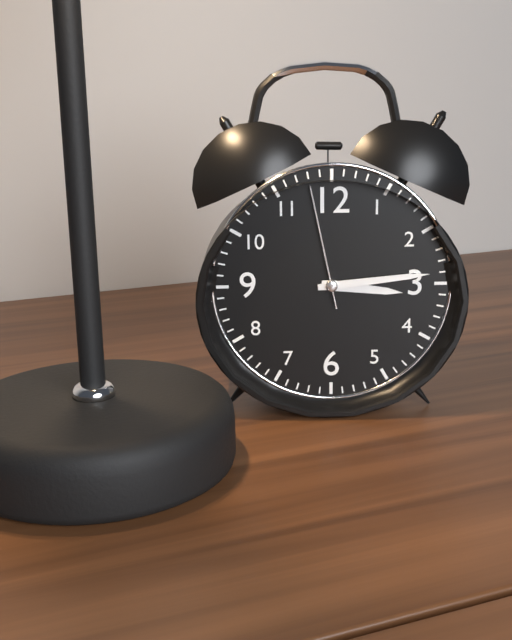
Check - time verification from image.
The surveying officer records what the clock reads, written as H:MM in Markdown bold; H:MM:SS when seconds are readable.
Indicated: **3:14:58**
